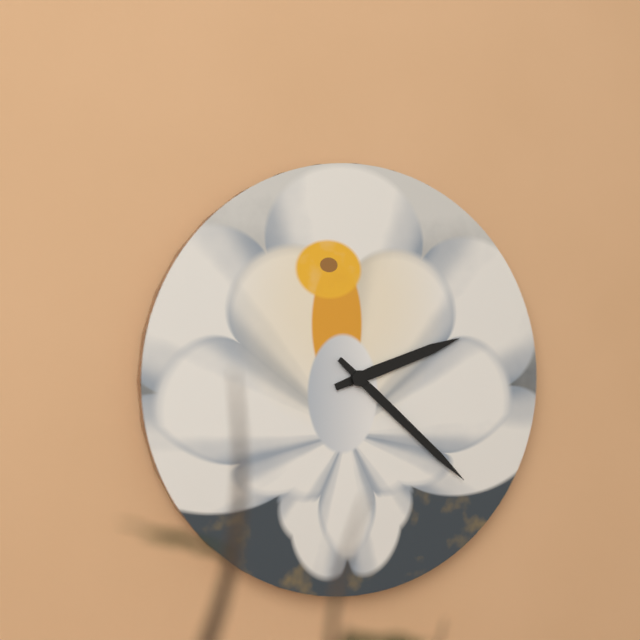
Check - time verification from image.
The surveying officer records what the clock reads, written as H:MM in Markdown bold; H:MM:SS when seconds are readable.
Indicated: **2:22**
